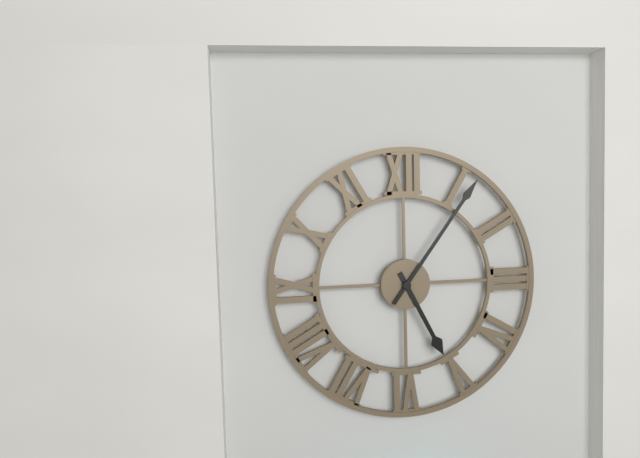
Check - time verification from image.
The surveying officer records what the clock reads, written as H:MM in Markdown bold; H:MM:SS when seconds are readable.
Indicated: **5:06**
